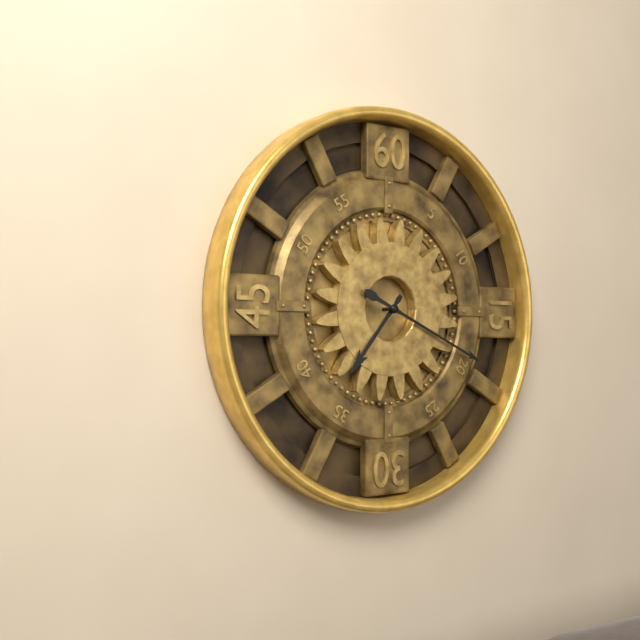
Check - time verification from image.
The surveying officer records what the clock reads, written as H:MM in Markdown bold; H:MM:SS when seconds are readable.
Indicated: **7:19**
